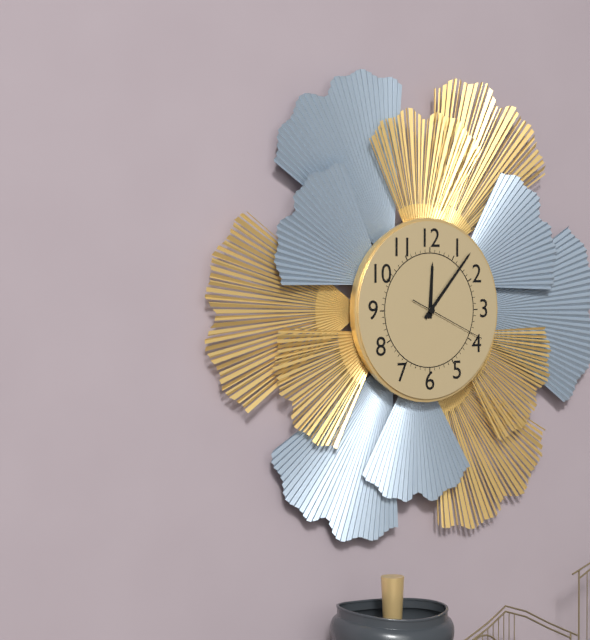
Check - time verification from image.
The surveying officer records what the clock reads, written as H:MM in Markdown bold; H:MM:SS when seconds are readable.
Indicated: **12:07:19**
